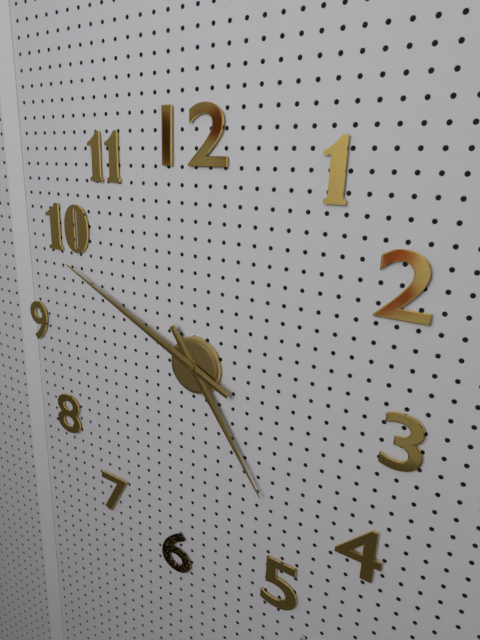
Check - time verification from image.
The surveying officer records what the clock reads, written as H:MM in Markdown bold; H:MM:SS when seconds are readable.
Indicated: **4:49**
